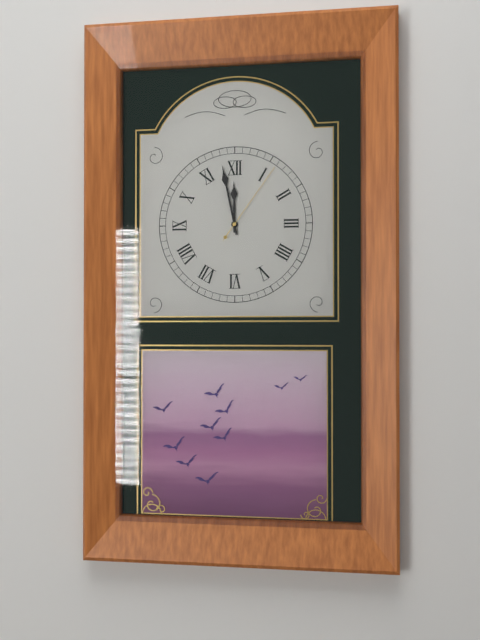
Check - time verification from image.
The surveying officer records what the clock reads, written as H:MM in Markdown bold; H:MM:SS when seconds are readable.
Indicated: **11:58:06**
